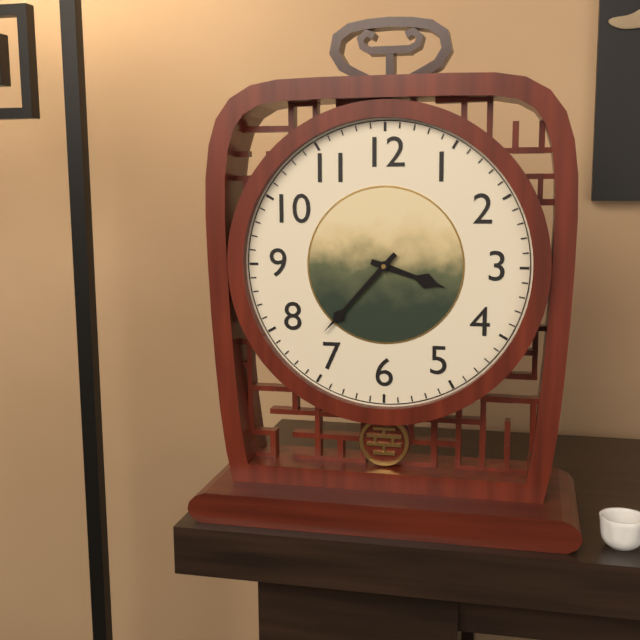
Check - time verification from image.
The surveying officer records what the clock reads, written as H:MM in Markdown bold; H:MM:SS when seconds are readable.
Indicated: **3:37**
